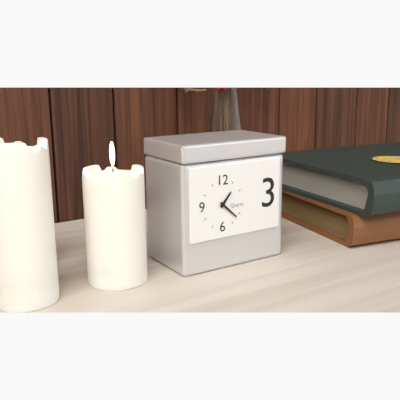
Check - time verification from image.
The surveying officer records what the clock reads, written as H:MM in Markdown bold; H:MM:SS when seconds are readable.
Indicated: **1:22**
